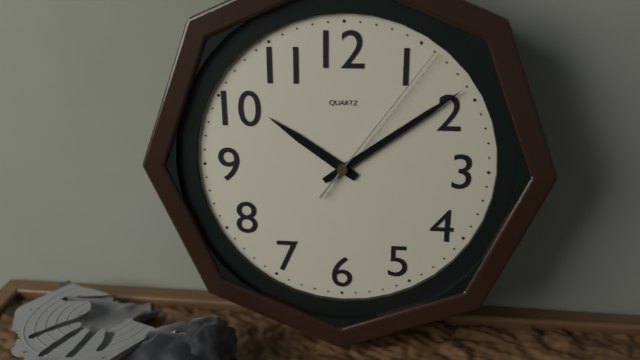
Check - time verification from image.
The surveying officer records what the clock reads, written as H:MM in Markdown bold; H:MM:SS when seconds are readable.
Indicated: **10:09:06**
